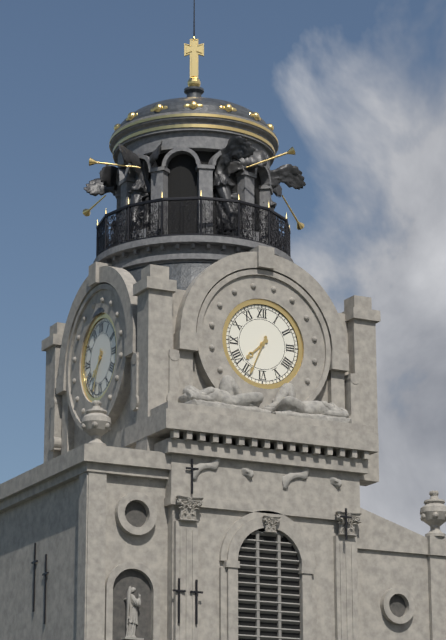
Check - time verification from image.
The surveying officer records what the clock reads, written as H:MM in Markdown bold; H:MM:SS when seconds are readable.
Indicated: **7:34**
